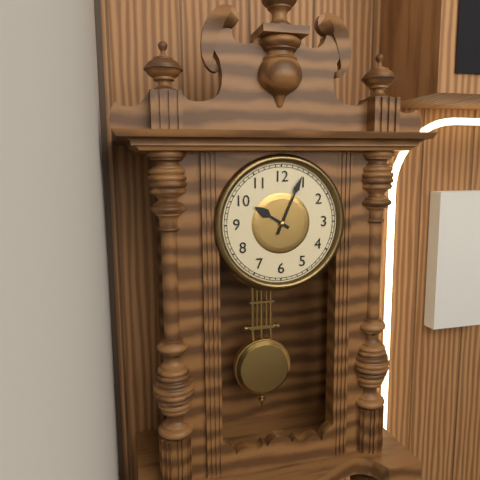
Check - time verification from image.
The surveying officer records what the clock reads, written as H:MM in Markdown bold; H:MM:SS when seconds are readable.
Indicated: **10:04**
